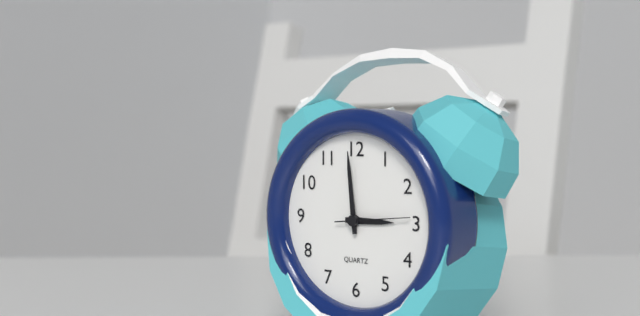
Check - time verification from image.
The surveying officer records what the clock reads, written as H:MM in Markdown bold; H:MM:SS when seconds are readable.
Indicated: **2:59:14**
